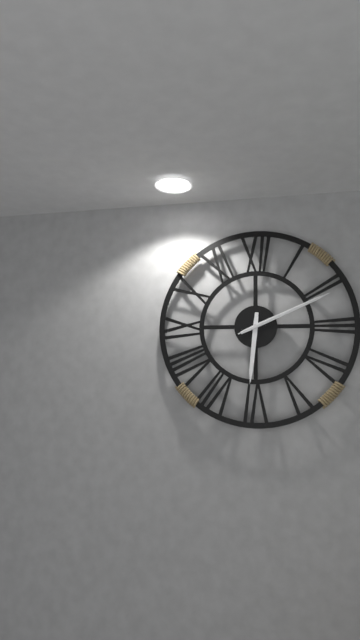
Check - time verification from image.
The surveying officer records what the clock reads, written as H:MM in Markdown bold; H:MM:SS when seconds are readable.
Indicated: **6:11:11**
